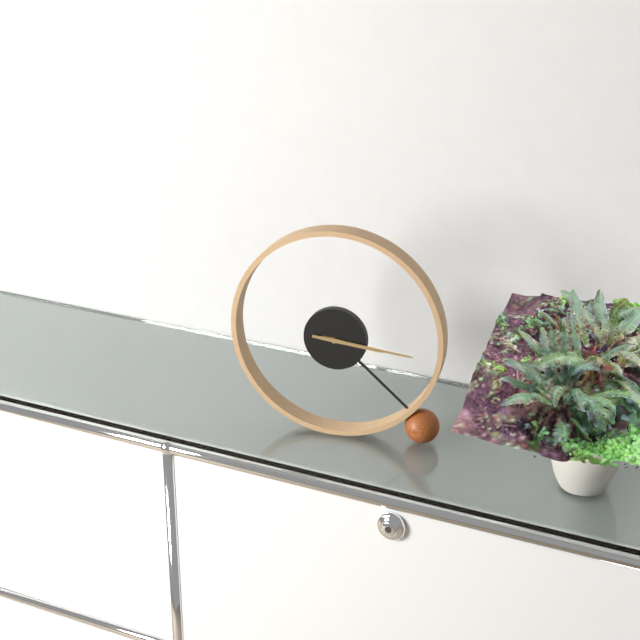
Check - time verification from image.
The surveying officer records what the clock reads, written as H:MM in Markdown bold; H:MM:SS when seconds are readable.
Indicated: **3:16**
